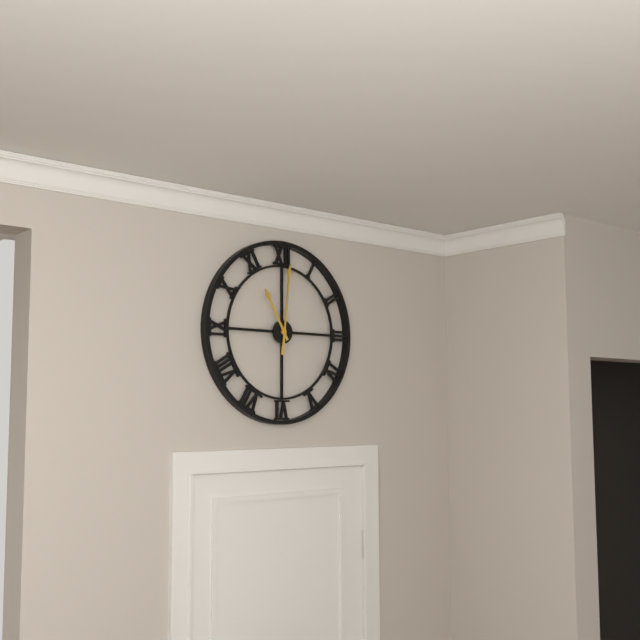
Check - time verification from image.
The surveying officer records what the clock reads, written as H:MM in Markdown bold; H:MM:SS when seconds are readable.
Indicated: **11:01**
